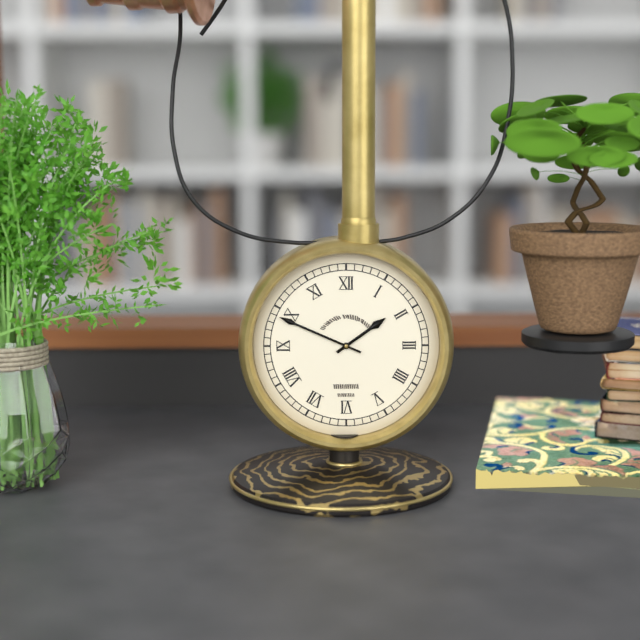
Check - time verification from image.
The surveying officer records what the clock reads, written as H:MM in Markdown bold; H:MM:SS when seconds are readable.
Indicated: **1:49**
